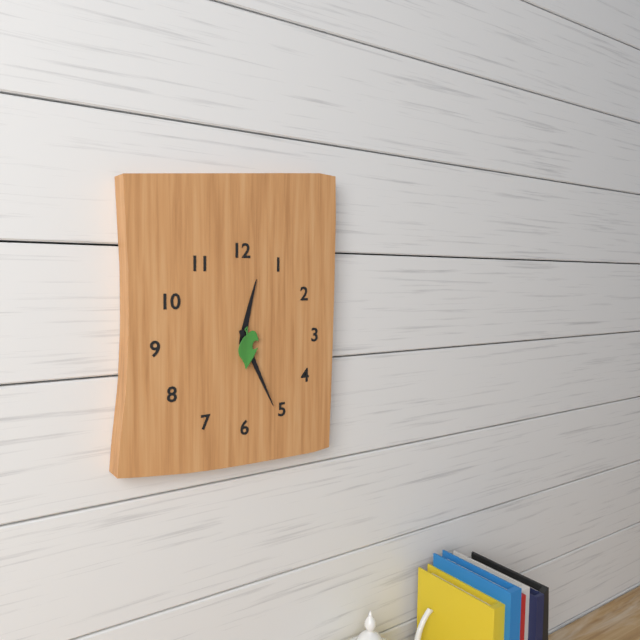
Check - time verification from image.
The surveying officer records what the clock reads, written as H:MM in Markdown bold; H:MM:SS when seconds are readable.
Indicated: **12:26**
